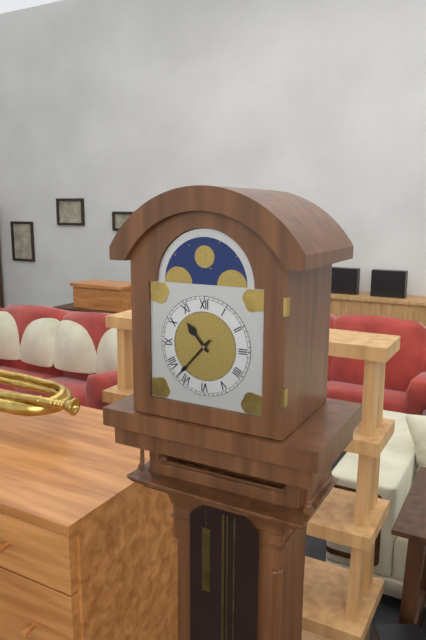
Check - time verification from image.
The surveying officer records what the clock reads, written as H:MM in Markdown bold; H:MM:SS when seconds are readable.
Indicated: **10:37**
